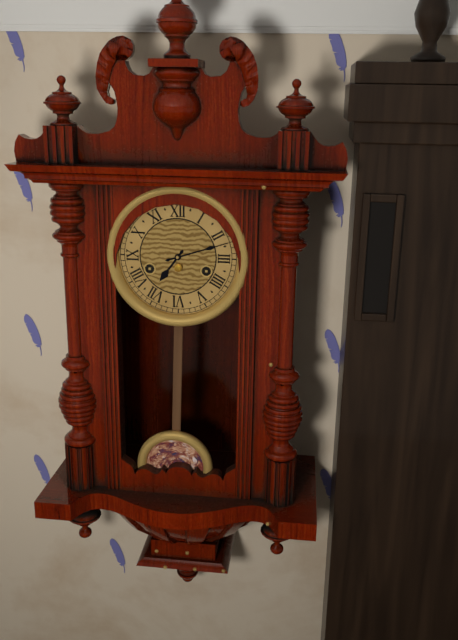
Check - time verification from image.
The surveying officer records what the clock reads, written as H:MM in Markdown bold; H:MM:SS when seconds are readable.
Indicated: **7:12**
